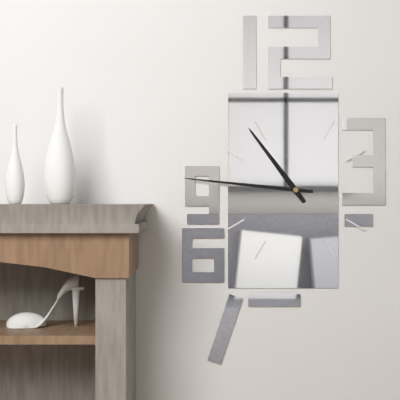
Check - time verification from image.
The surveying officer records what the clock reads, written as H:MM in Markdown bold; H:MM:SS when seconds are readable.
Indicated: **10:46**
